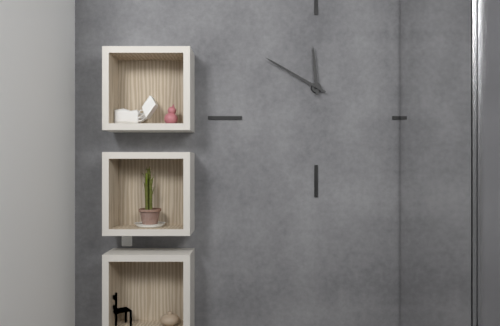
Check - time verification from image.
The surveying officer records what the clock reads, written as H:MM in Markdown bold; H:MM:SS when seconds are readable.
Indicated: **11:50**
